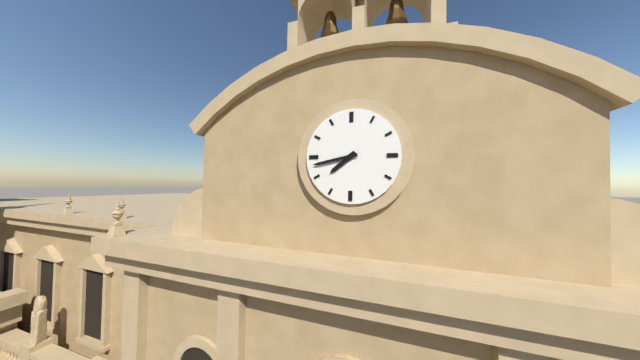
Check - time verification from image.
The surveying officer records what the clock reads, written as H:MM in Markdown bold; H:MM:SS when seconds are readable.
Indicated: **7:43**
